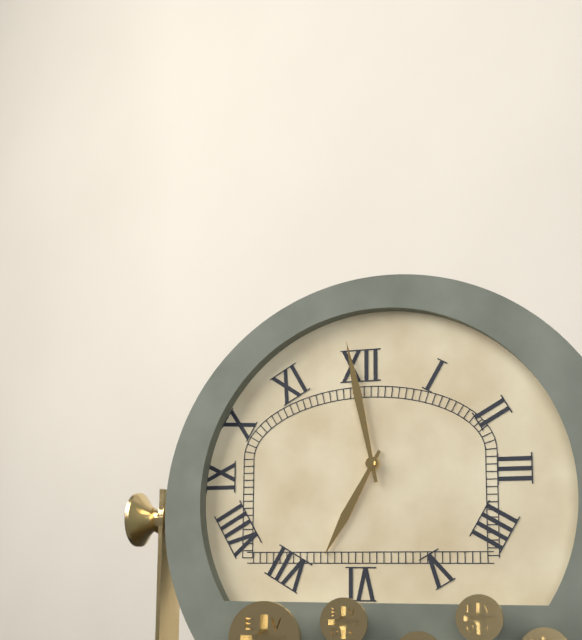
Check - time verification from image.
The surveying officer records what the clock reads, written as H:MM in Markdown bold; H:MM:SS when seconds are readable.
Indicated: **6:58**
